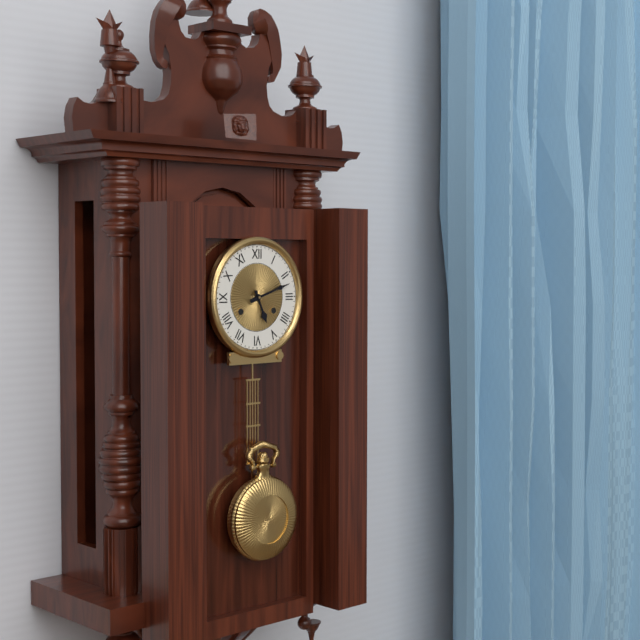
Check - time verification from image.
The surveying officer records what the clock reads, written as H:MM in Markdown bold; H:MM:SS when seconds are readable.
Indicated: **5:12**
